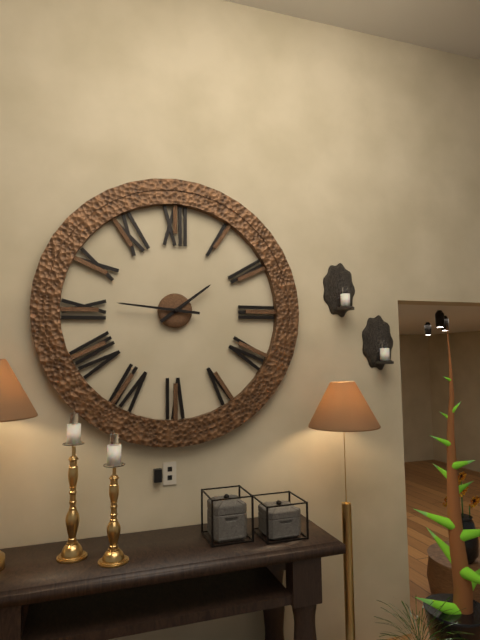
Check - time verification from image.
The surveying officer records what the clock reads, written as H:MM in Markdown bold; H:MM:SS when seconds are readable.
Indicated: **1:46**
